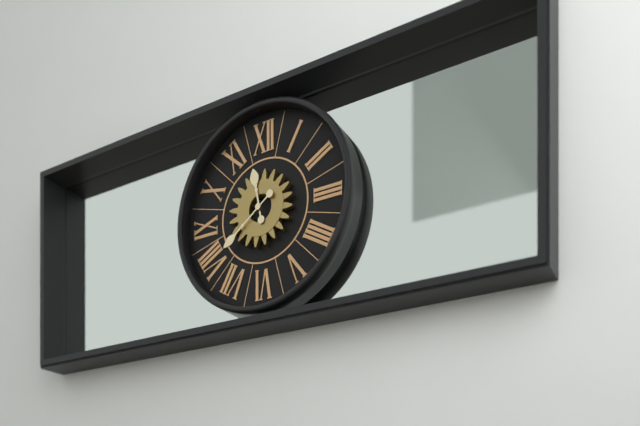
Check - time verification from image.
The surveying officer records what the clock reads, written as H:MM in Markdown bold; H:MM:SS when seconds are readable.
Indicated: **11:39**
